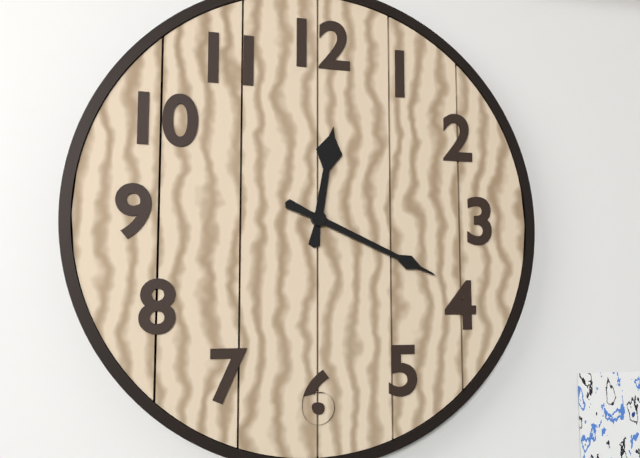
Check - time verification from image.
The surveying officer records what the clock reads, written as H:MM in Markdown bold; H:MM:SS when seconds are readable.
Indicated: **12:19**
